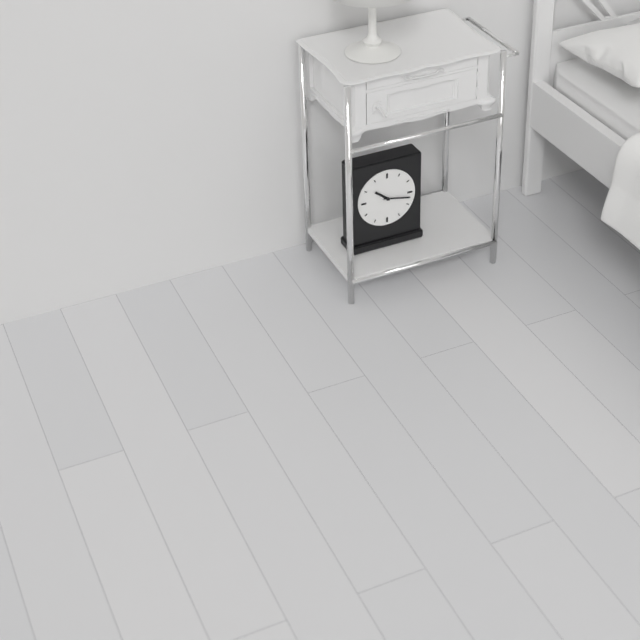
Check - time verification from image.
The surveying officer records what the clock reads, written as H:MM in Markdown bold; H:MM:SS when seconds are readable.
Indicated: **10:17**
